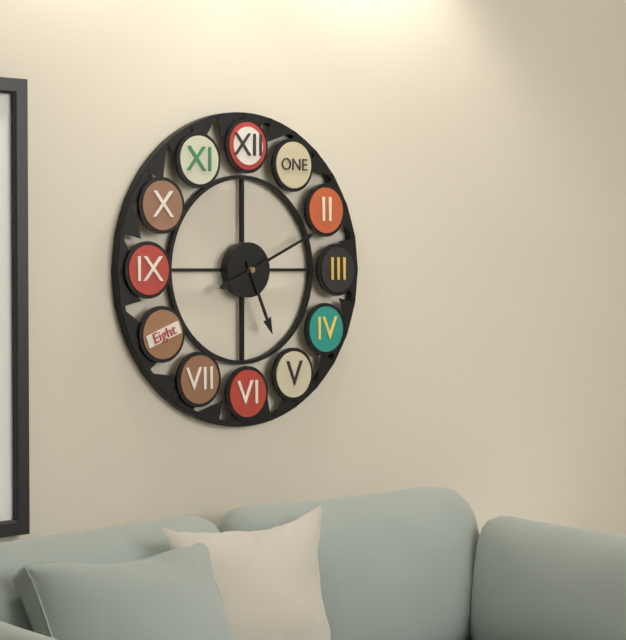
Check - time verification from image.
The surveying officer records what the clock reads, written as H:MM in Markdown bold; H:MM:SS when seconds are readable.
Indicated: **5:11**
